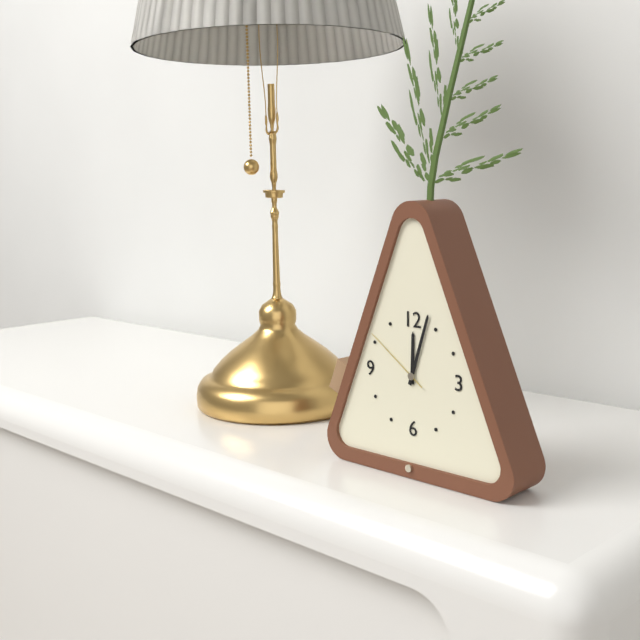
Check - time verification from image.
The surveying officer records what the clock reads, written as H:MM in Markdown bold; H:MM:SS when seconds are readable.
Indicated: **12:03:51**
